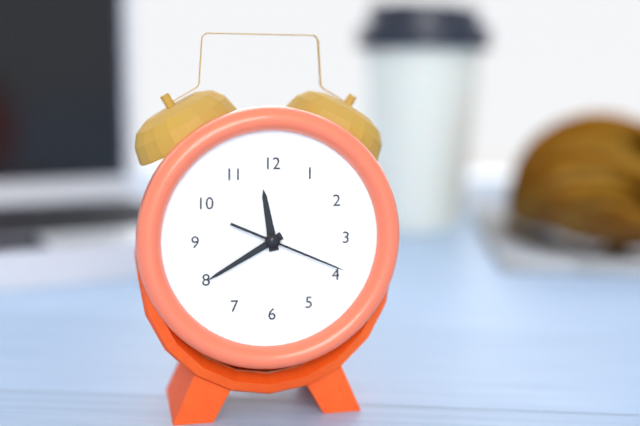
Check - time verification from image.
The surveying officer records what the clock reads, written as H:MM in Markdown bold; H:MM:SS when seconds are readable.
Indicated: **11:40:19**
